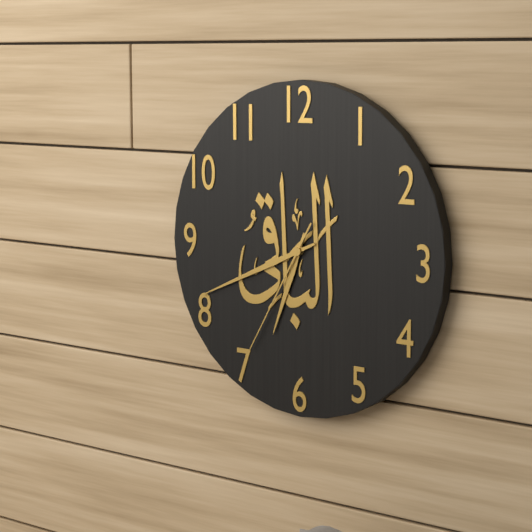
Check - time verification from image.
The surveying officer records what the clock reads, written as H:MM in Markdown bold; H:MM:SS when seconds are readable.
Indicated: **6:41:35**
